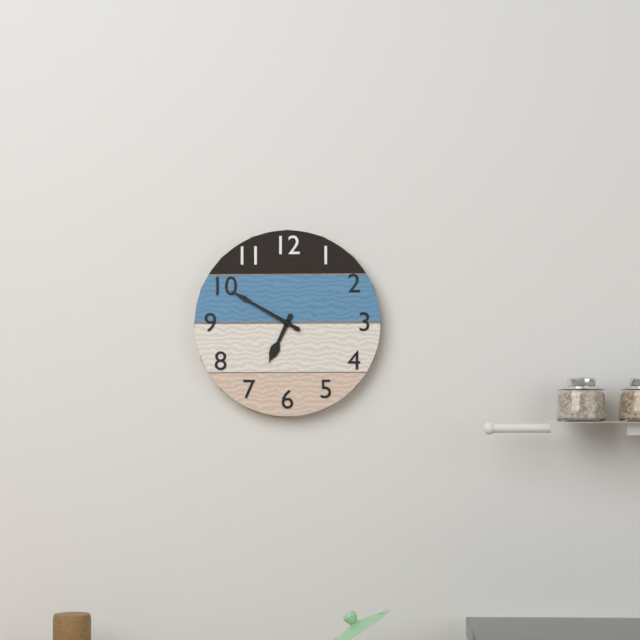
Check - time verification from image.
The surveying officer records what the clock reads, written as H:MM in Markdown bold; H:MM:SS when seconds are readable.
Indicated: **6:50**
